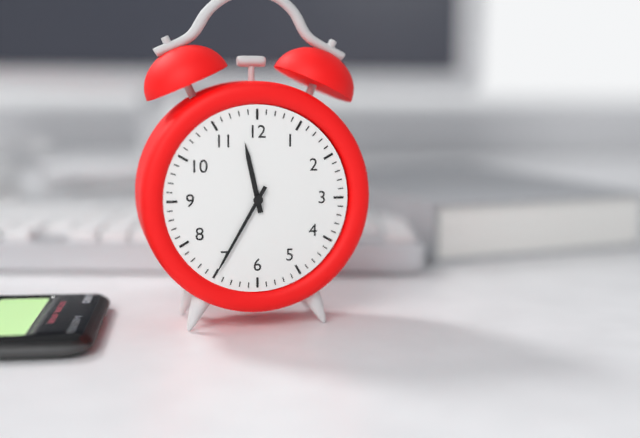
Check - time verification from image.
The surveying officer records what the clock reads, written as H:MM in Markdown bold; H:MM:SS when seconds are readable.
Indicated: **11:35**
